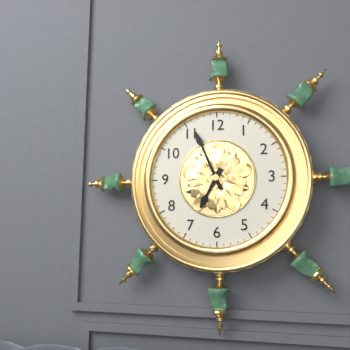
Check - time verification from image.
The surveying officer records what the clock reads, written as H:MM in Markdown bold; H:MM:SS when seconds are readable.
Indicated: **6:56**
